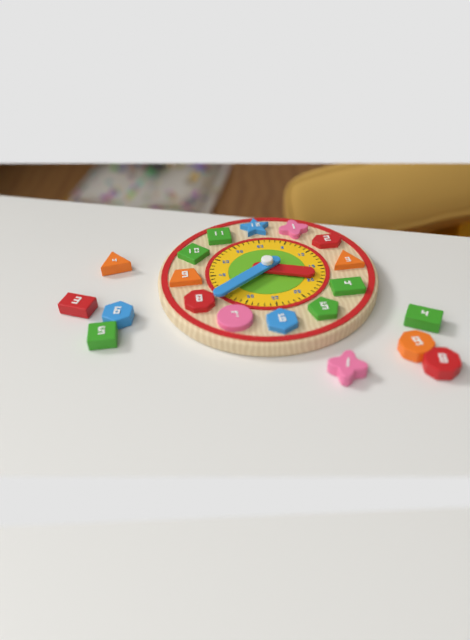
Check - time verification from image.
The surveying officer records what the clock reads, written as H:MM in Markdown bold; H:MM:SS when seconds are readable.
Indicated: **3:39**
